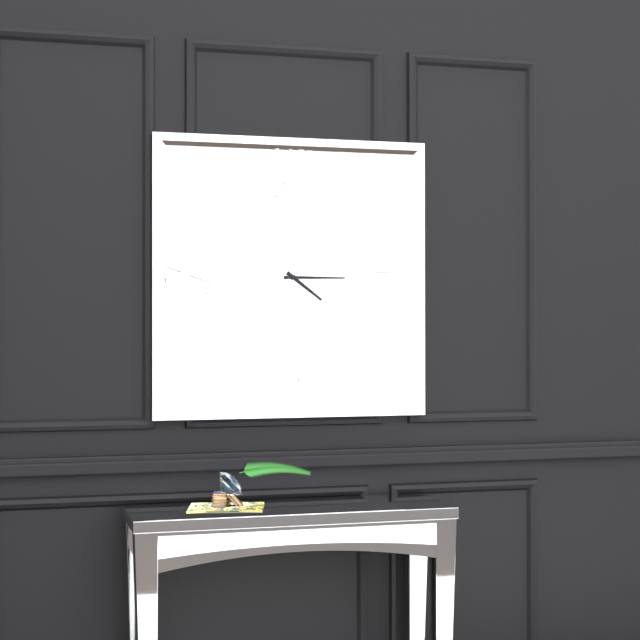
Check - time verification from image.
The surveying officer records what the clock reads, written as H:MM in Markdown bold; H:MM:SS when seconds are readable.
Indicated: **4:15**
